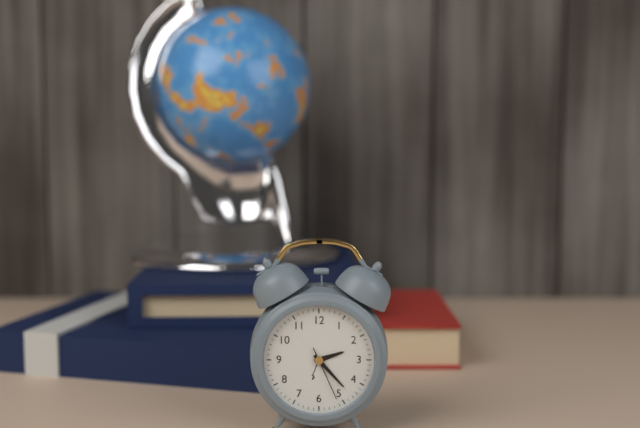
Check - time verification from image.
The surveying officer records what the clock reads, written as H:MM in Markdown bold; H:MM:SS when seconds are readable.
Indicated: **2:23:26**
